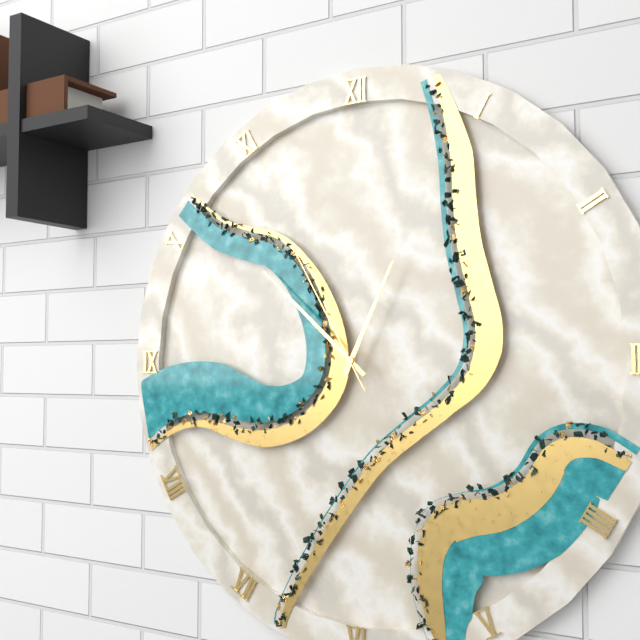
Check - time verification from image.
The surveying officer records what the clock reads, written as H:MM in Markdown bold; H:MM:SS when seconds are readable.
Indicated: **12:52:55**
